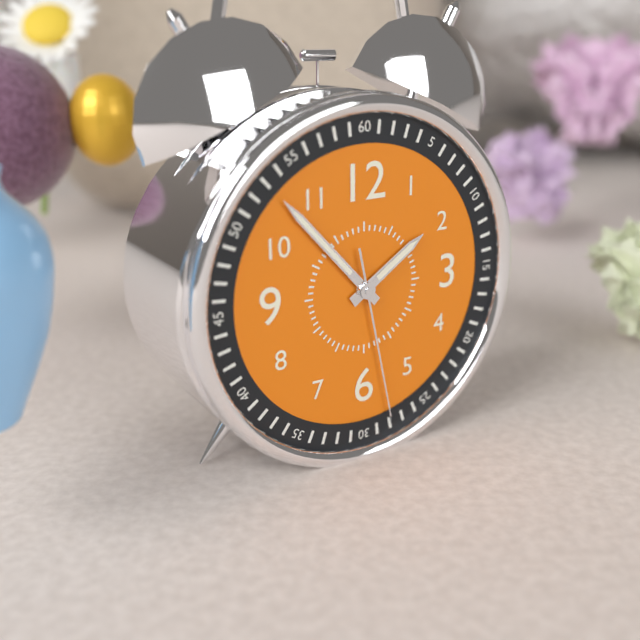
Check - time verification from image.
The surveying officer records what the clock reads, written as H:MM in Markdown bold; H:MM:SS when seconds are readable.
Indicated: **1:53:28**
